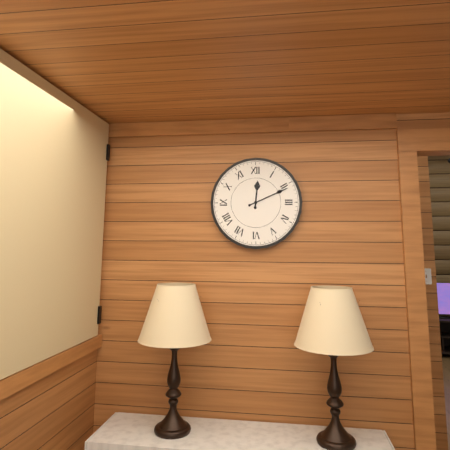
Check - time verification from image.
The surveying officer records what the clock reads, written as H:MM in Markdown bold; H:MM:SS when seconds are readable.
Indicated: **12:11**
